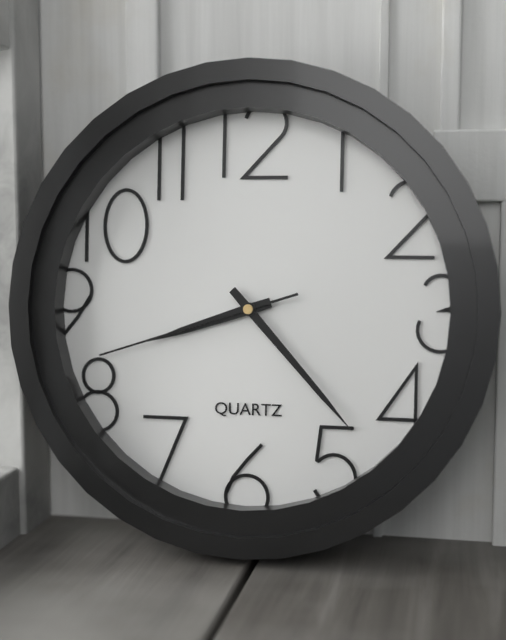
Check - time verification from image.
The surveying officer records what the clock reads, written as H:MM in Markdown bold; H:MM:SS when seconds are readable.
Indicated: **8:23:42**
